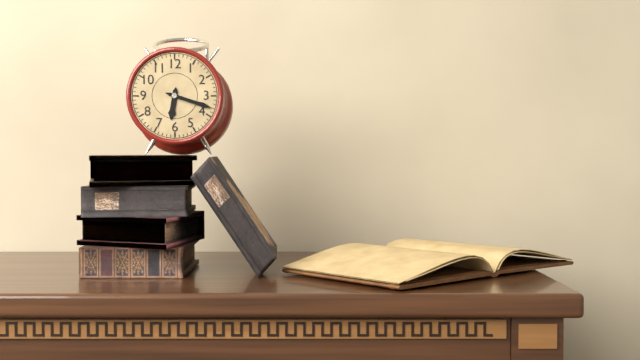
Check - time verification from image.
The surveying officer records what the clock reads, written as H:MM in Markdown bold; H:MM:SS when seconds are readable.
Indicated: **6:18**
